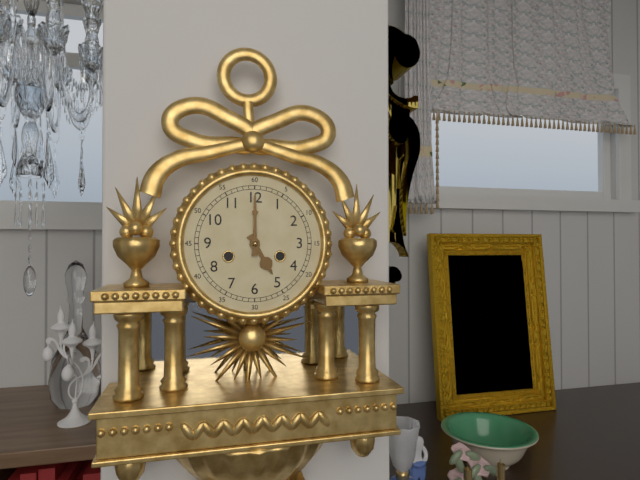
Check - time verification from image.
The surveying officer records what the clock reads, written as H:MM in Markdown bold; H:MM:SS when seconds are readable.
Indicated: **5:00**
